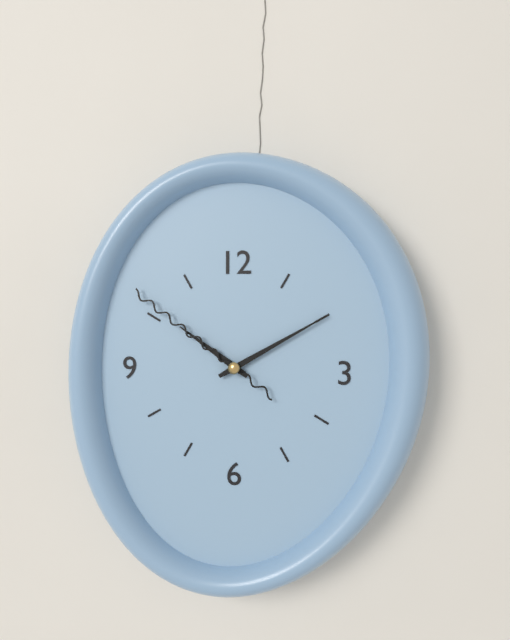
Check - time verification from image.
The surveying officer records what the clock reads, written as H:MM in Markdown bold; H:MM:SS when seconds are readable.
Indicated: **10:10:51**
